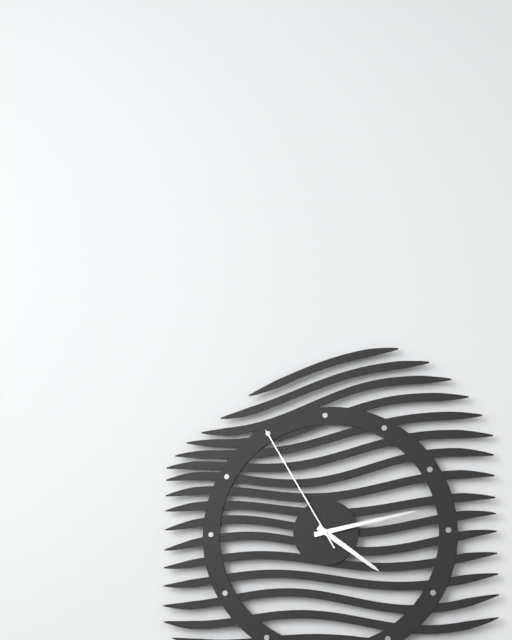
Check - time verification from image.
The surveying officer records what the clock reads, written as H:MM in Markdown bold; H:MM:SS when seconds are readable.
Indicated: **4:13:55**
